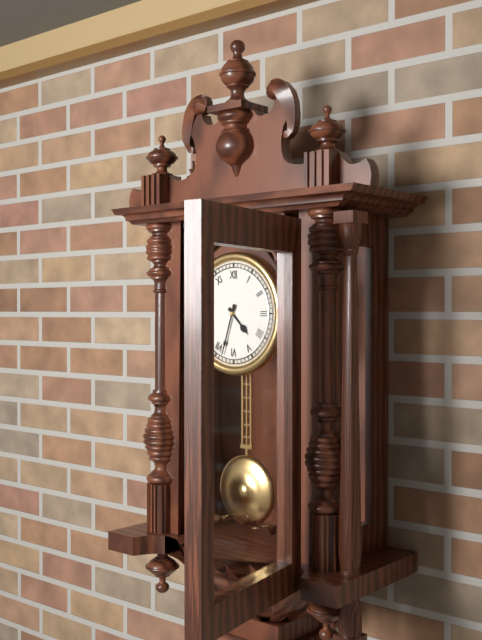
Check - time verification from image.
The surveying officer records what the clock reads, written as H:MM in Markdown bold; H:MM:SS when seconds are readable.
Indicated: **4:33**
